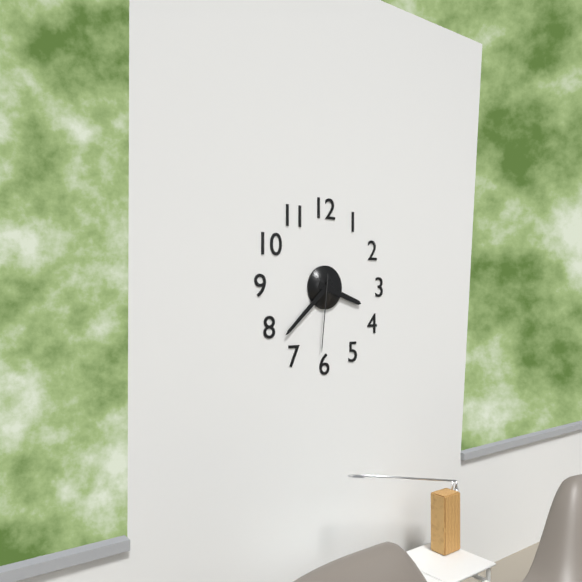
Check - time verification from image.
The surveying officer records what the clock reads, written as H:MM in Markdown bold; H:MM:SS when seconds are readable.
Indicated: **3:38:31**
